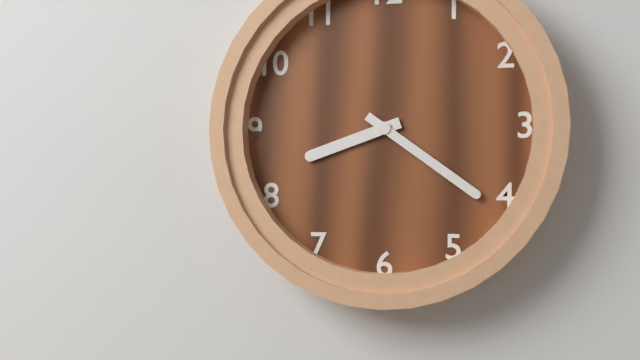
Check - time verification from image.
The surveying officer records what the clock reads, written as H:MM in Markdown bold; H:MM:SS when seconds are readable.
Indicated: **8:21**
